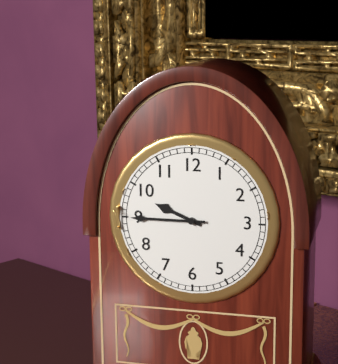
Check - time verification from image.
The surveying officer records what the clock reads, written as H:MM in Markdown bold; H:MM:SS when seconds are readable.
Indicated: **9:45**
